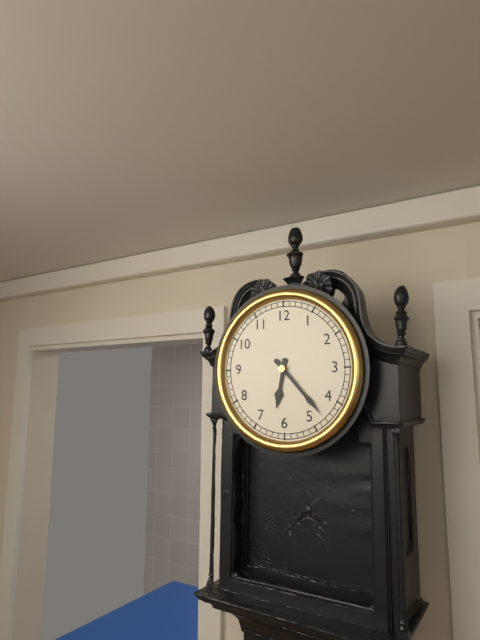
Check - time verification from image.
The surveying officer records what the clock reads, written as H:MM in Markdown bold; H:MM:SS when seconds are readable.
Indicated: **6:23**
